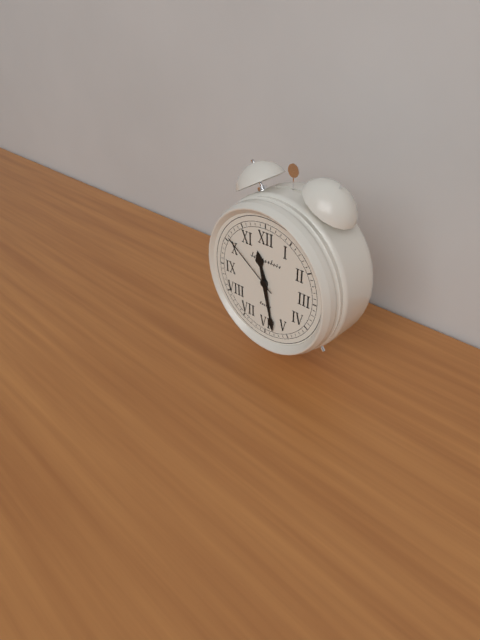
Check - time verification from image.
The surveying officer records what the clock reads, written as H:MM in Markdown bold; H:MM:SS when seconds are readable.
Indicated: **11:28:51**
